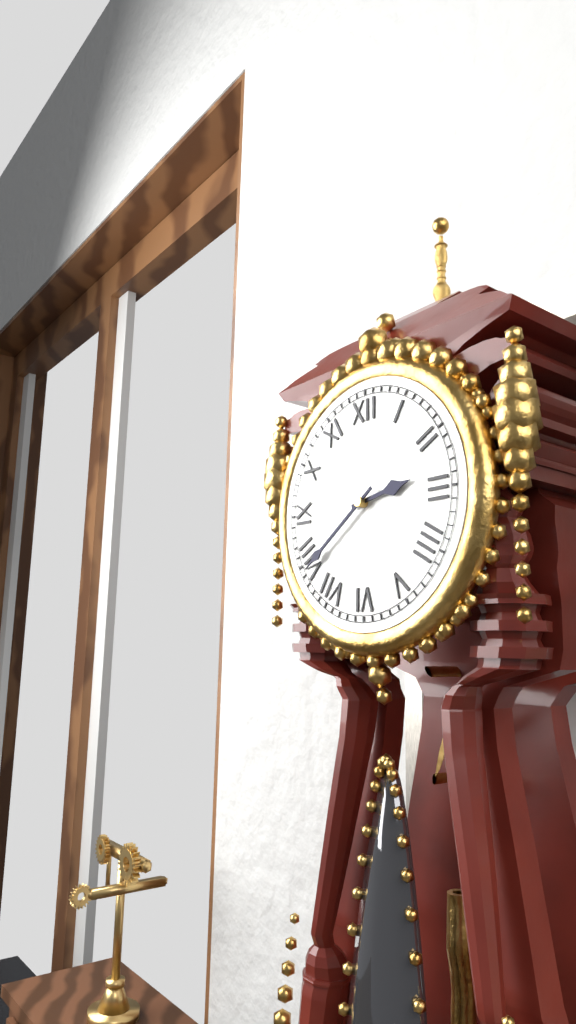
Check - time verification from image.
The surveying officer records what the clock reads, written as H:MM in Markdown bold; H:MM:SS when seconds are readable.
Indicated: **2:39**
